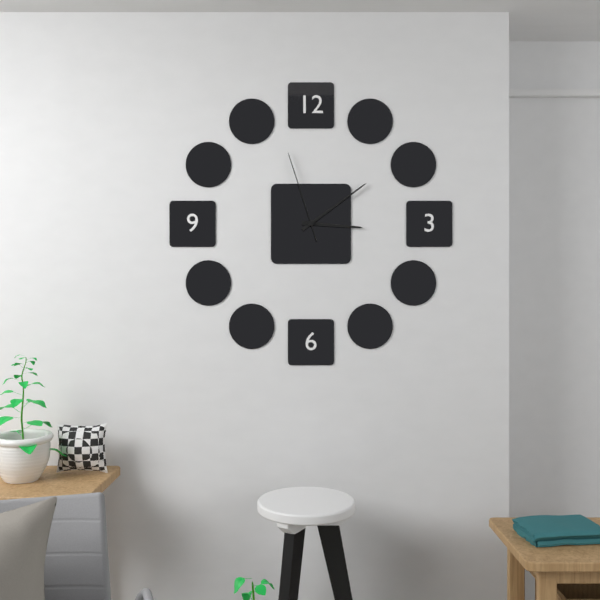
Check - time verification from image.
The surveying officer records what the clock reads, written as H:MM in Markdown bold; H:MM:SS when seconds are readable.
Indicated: **3:09:57**
